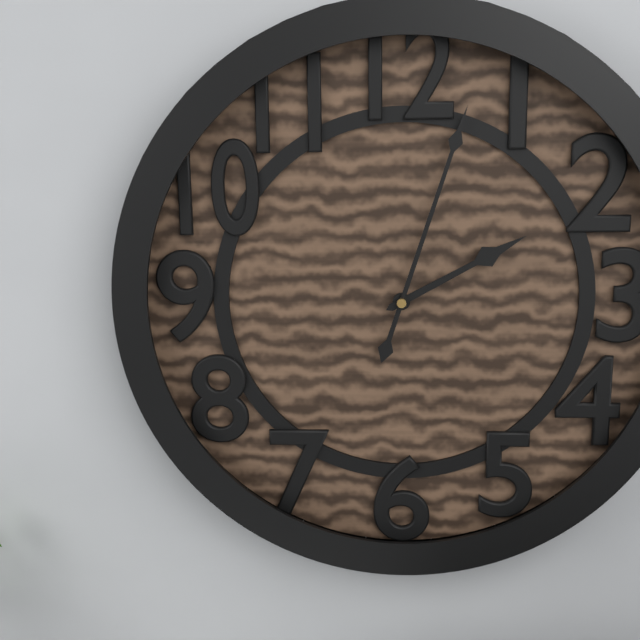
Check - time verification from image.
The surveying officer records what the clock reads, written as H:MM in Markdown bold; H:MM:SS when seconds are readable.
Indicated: **2:03**
